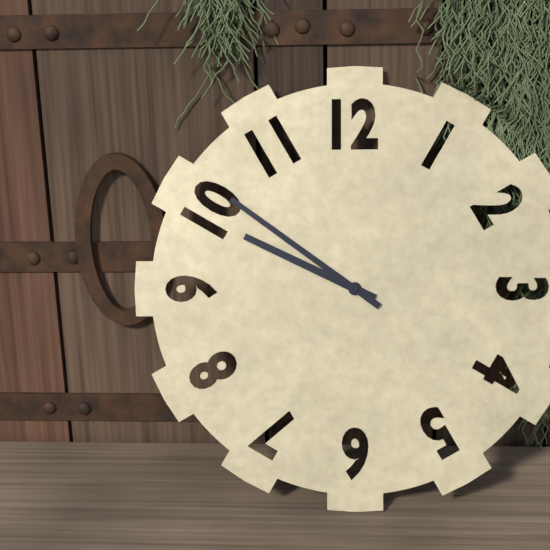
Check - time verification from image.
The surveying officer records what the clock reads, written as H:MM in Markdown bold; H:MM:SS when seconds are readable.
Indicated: **9:51**
